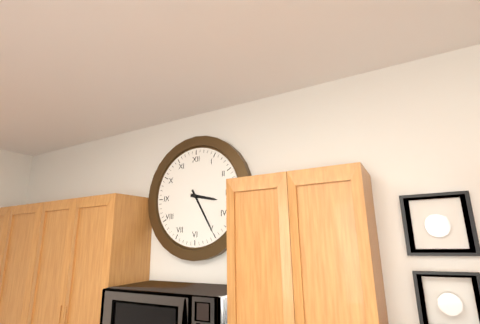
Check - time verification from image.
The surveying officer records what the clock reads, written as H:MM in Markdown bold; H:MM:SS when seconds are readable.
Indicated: **3:25**
